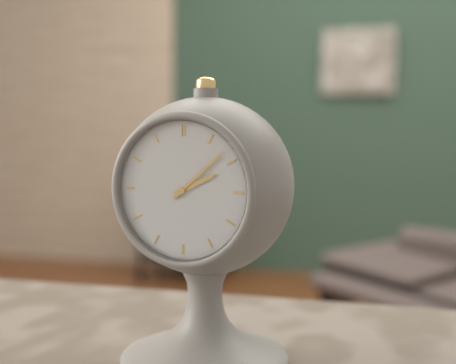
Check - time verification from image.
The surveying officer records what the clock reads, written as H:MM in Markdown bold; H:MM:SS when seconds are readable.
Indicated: **2:08**
